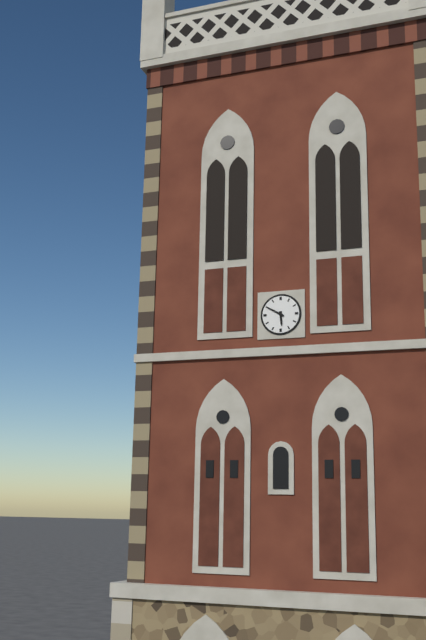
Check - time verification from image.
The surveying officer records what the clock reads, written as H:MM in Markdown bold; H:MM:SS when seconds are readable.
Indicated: **5:50**
